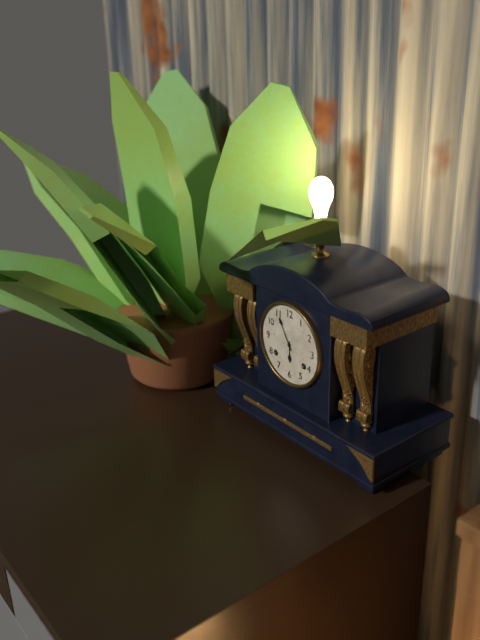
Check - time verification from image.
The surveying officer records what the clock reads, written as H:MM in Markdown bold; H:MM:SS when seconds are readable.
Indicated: **5:55**
